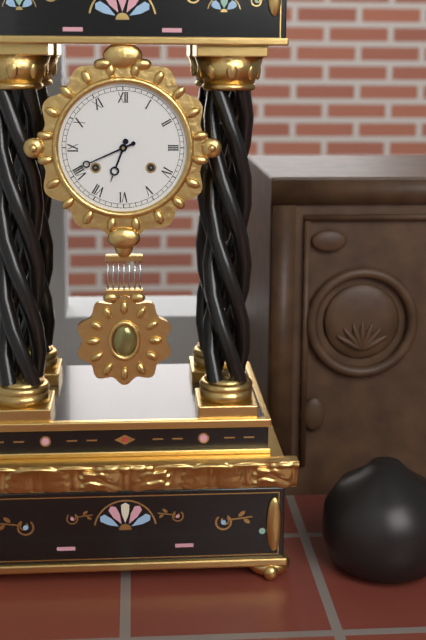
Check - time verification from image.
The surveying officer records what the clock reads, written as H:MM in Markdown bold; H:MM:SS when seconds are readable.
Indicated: **6:41**
